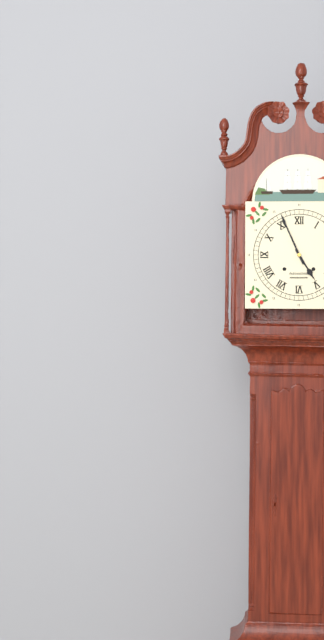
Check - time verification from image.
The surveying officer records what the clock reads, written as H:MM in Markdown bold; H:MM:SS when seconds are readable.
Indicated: **4:56**
